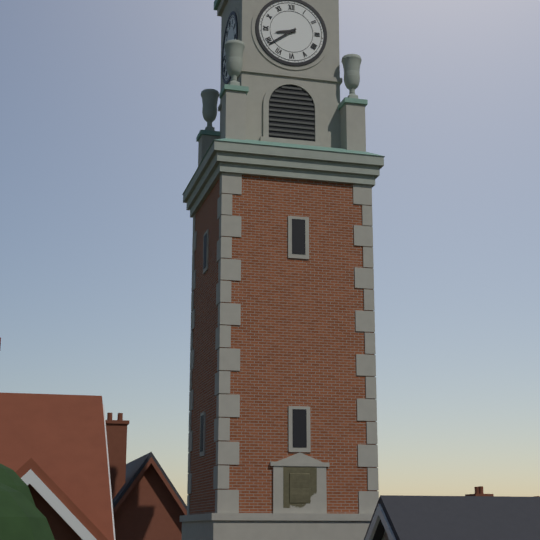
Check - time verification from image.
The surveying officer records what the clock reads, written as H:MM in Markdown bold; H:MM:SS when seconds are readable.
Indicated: **8:39**
